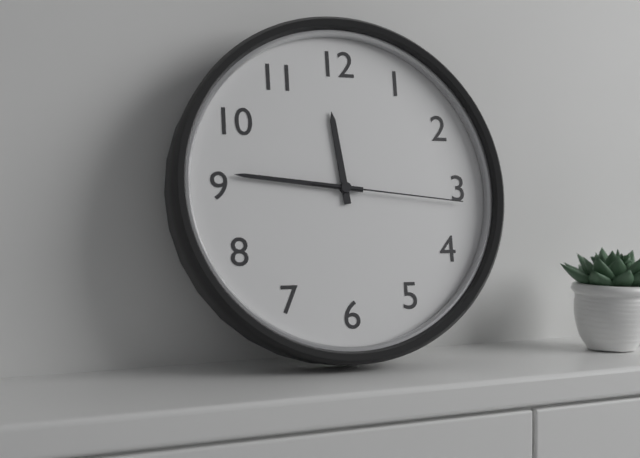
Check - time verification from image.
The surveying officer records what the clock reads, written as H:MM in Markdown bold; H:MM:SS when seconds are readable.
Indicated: **11:46:16**
